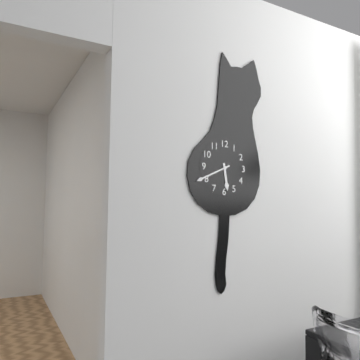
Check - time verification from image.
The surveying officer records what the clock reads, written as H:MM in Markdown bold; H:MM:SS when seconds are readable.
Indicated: **5:41**
